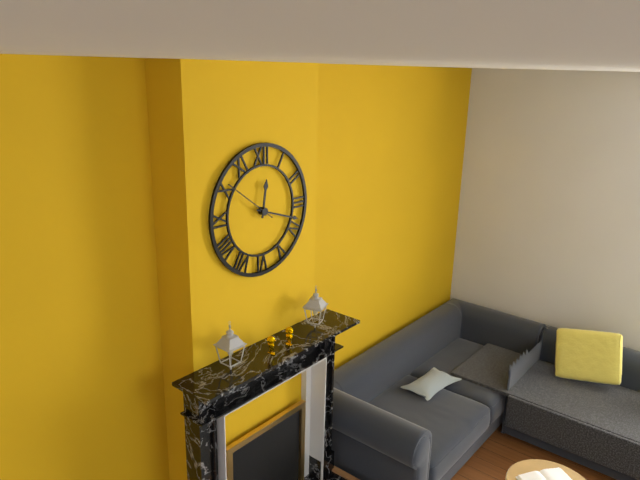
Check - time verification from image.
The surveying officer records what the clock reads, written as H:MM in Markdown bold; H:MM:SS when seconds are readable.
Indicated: **12:18:51**
